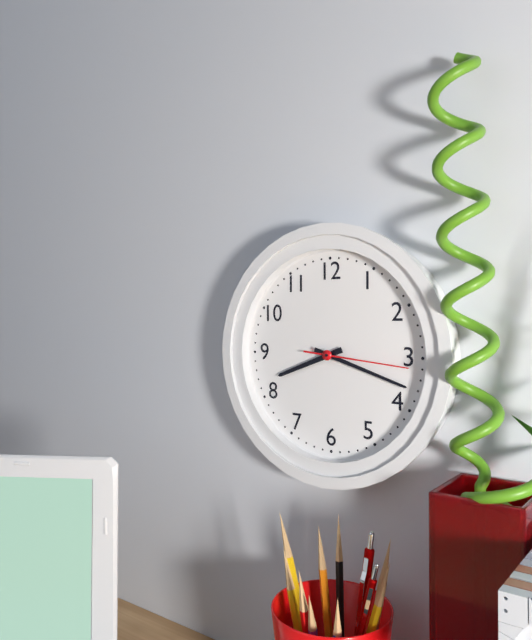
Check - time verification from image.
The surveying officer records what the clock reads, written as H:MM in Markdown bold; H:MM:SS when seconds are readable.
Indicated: **8:18:16**
